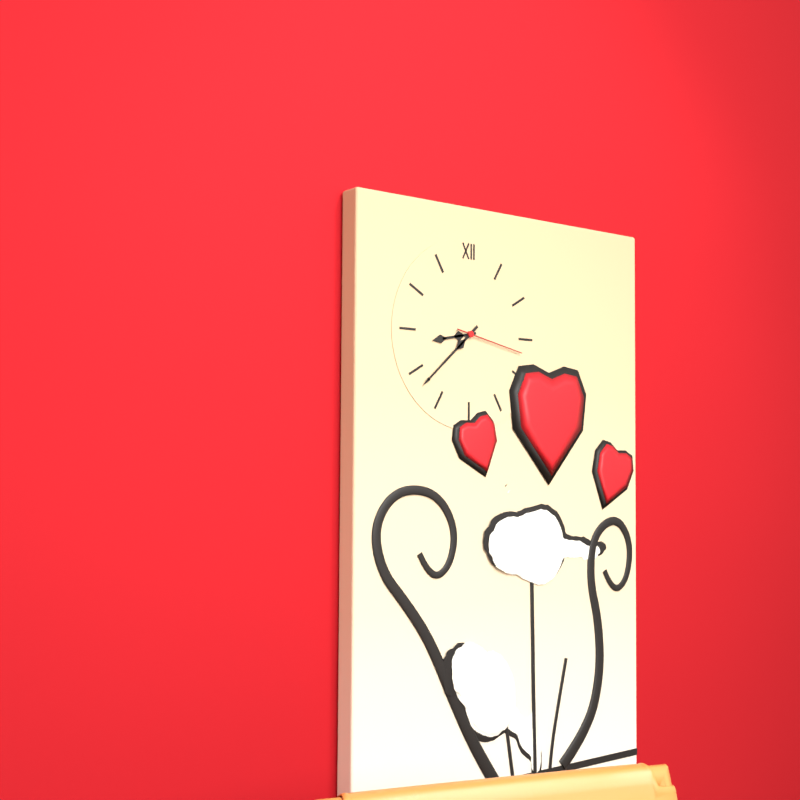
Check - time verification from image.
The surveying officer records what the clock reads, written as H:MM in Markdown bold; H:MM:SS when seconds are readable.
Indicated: **8:38:17**
